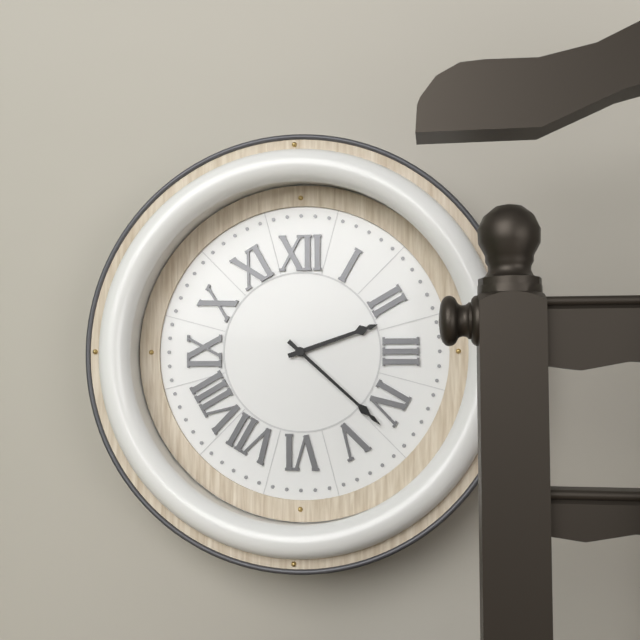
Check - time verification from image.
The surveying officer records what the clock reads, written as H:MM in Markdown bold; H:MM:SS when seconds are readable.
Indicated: **2:22**
